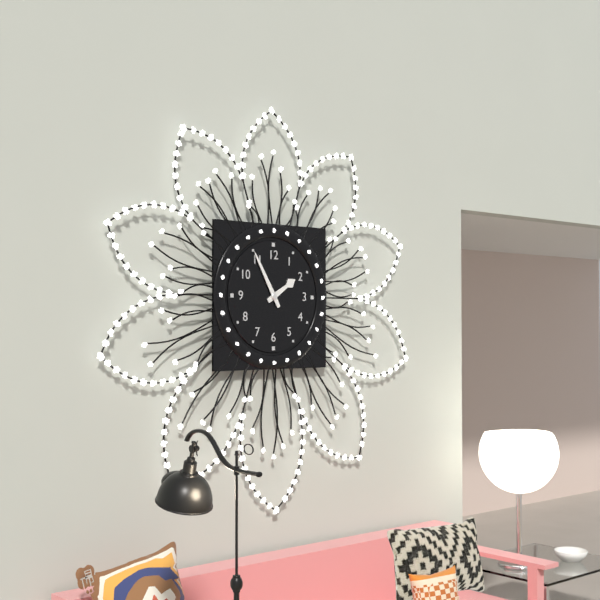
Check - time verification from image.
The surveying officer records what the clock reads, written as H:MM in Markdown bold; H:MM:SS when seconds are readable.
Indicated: **1:55**
